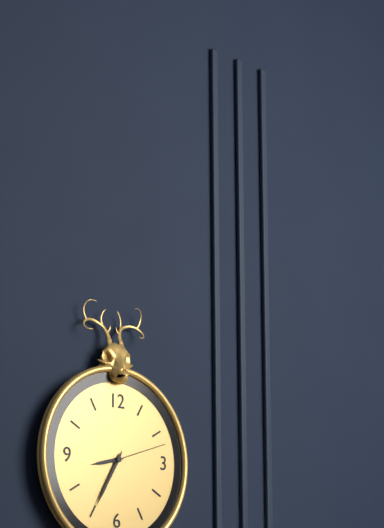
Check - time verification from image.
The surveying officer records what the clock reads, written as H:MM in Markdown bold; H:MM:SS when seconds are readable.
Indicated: **8:35:12**
